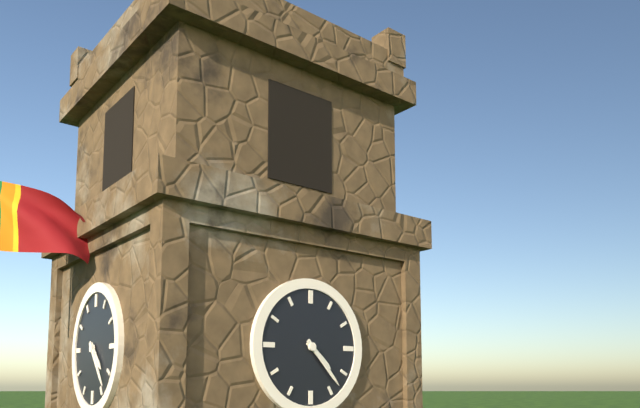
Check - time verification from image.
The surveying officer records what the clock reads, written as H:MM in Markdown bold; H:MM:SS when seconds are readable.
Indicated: **4:23**
